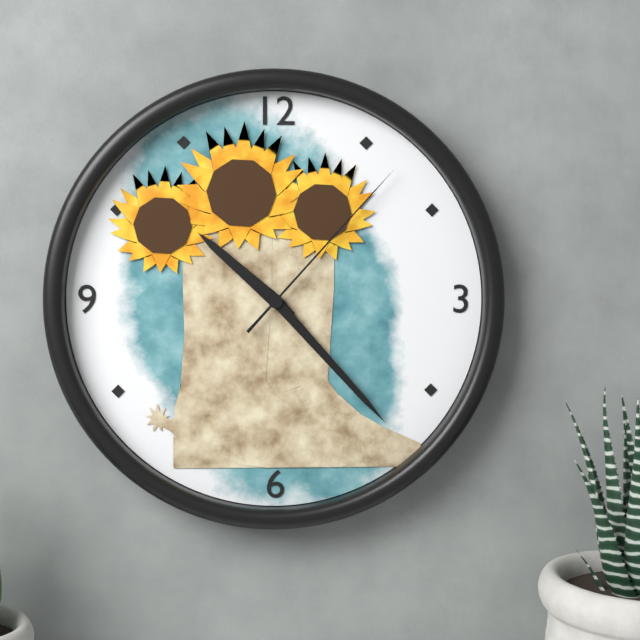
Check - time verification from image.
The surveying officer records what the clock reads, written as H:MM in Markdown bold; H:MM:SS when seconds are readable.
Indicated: **10:23:07**
